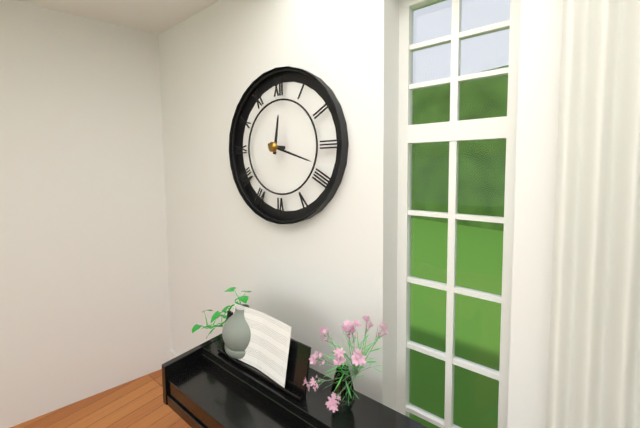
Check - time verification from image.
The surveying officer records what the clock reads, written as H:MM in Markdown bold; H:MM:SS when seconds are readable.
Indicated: **12:18**
